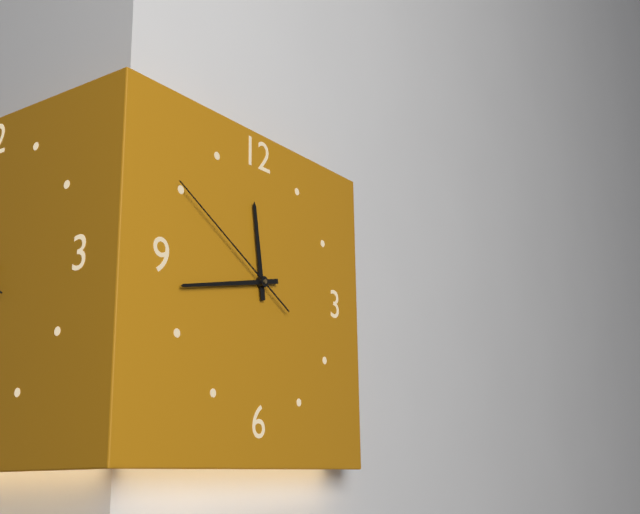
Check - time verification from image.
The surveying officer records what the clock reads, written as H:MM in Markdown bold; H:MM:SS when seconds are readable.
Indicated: **11:43:50**
